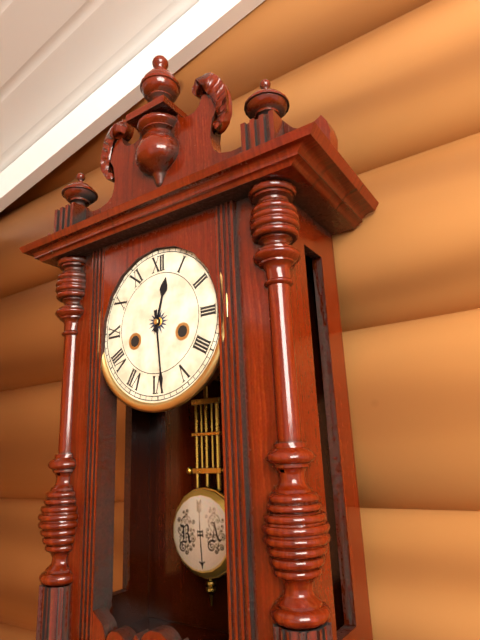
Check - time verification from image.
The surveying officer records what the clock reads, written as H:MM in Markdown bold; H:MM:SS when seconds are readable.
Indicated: **12:29**
